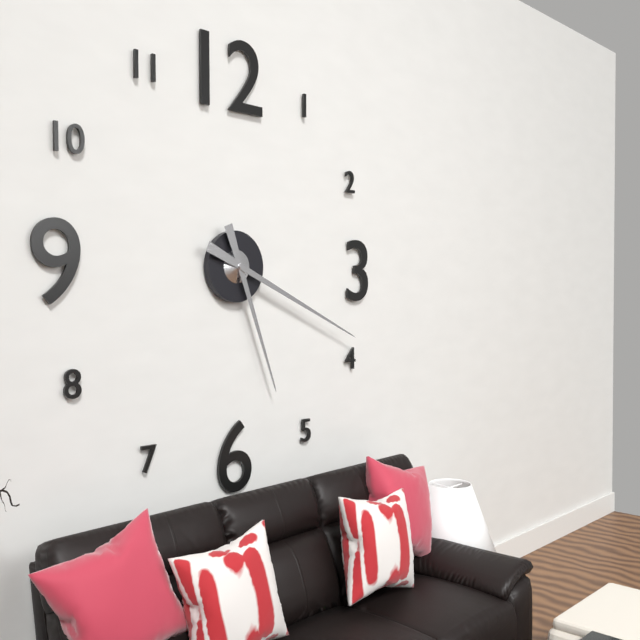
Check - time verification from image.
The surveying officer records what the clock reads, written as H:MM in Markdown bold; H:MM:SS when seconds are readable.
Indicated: **5:19**
